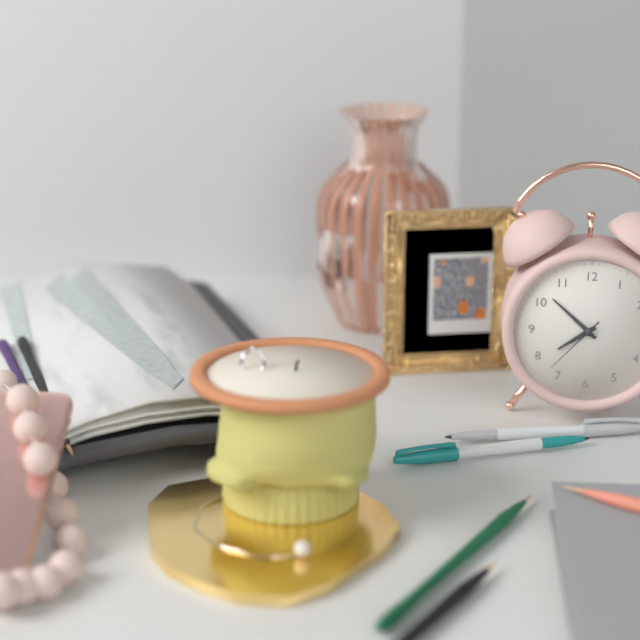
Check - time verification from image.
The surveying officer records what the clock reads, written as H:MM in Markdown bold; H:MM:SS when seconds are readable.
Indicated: **7:52:37**
